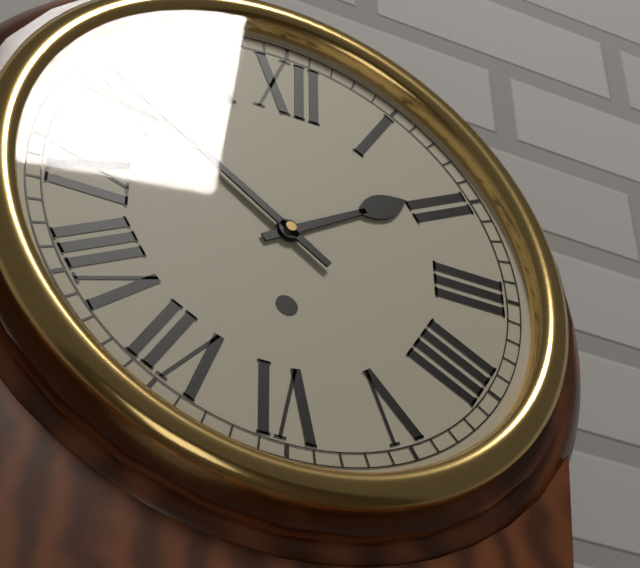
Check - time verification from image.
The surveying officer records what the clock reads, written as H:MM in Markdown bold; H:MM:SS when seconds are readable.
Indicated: **1:51**
